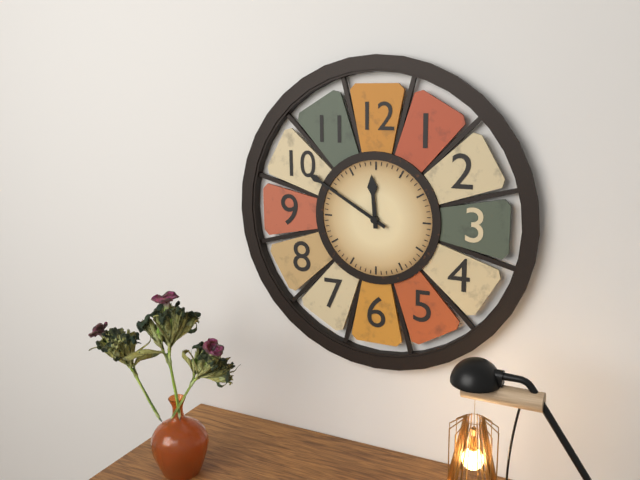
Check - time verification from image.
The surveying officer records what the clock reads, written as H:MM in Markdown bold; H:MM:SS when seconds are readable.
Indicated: **11:50**
